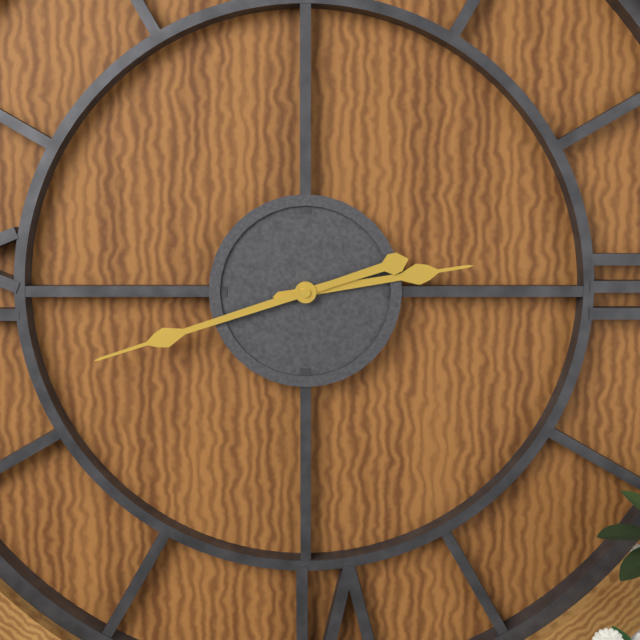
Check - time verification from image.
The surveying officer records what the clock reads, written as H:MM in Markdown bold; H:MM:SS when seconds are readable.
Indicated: **2:42**
